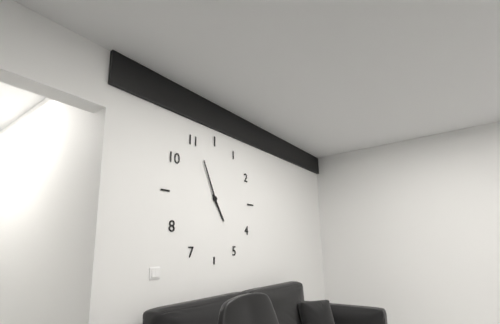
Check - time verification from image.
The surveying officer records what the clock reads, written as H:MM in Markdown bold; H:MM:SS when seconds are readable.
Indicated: **4:56**
